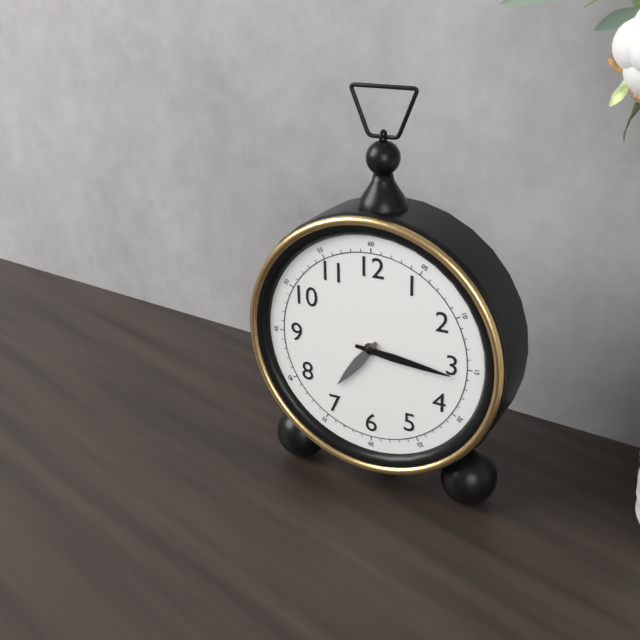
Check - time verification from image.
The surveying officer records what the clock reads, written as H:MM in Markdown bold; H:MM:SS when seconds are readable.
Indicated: **7:16**
